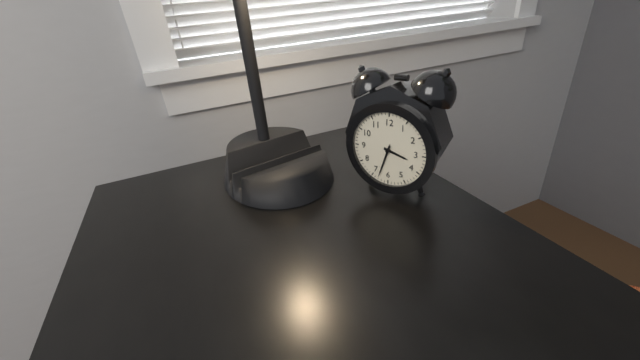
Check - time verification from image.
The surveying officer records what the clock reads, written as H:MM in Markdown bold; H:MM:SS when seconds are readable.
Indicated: **3:33**
